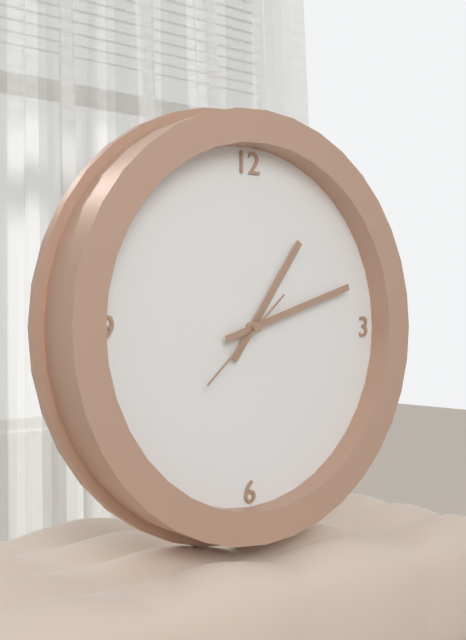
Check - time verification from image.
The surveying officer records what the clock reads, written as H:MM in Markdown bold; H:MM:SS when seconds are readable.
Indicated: **1:12:38**
